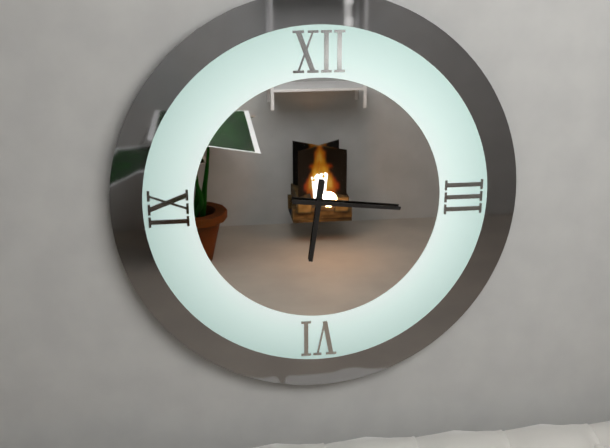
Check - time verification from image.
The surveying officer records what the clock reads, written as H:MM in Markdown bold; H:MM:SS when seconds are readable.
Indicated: **6:16**
